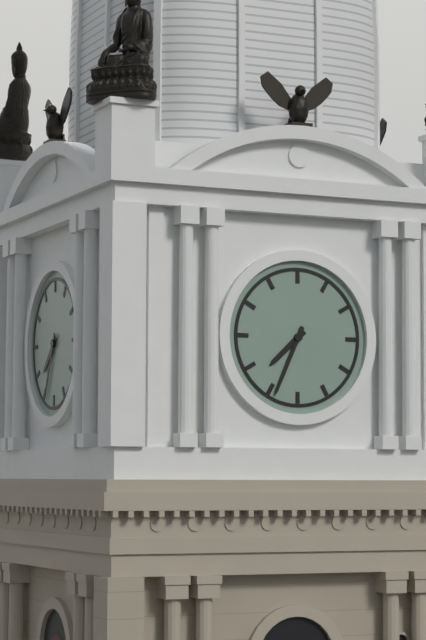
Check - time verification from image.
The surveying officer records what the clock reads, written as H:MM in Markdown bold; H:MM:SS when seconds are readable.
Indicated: **7:34**
